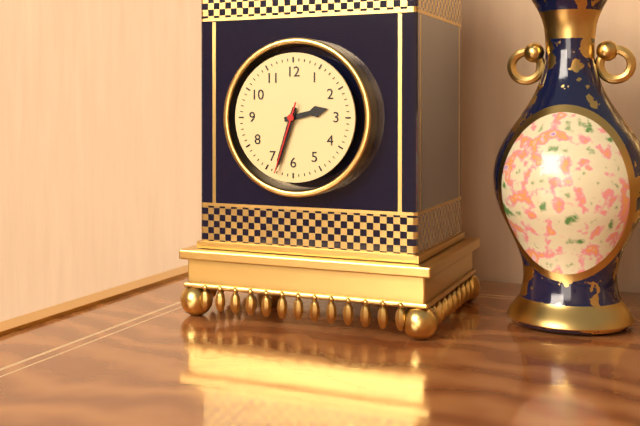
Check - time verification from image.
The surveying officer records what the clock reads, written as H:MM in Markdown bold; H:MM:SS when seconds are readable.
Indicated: **2:33:33**
